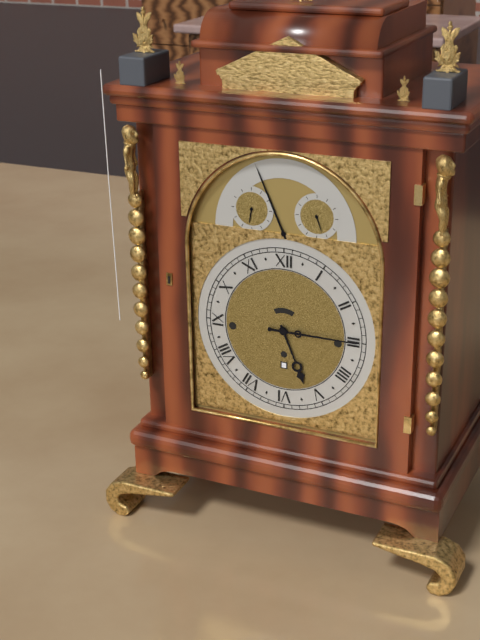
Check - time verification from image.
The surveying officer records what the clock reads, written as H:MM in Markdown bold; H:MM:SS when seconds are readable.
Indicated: **5:15**
